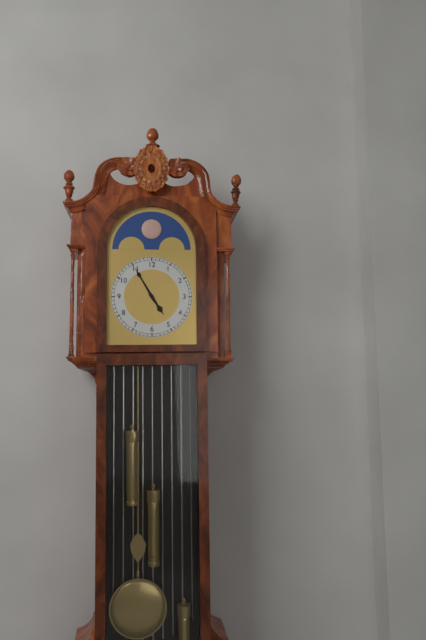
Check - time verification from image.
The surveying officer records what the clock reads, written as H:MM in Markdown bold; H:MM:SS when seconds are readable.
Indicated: **4:55**
